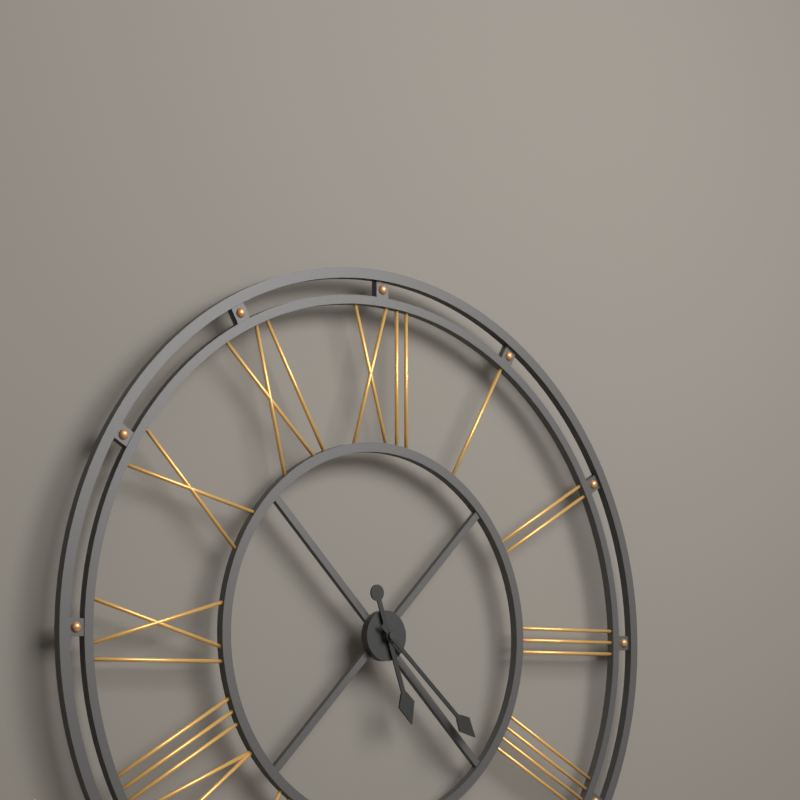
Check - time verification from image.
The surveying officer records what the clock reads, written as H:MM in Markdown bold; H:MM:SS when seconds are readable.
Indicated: **5:22**
